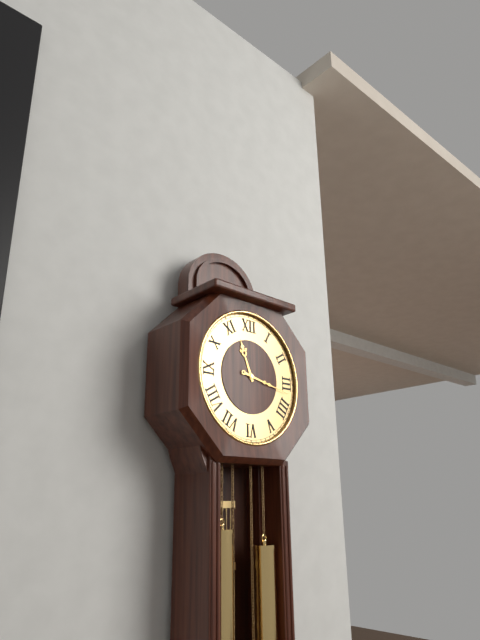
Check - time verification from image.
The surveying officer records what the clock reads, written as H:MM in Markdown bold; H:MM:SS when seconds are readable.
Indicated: **11:17**
